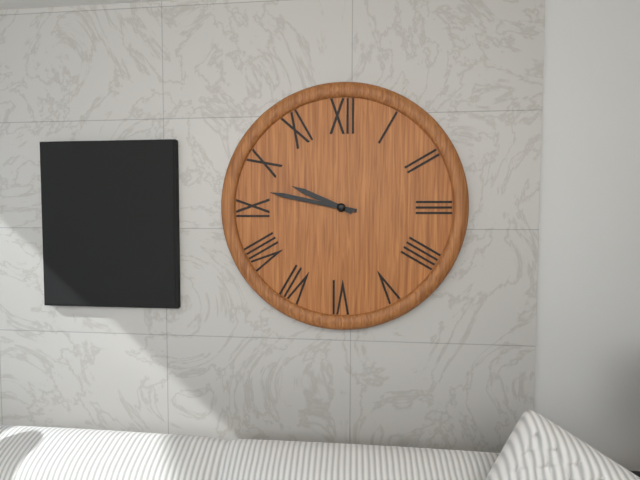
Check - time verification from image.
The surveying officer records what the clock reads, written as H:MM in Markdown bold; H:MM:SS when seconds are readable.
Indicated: **9:47**
